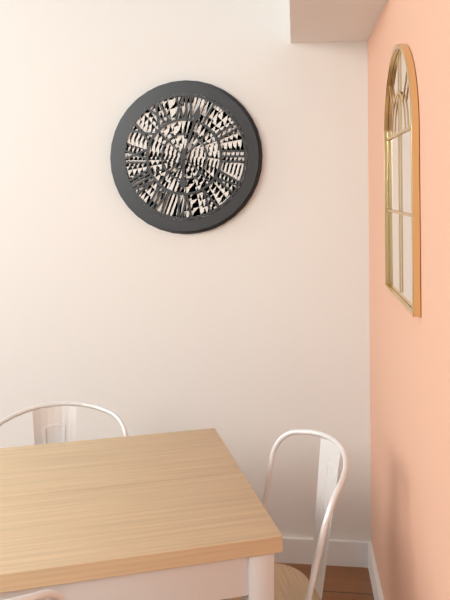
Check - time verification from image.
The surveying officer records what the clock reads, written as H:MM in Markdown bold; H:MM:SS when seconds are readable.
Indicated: **6:03**
